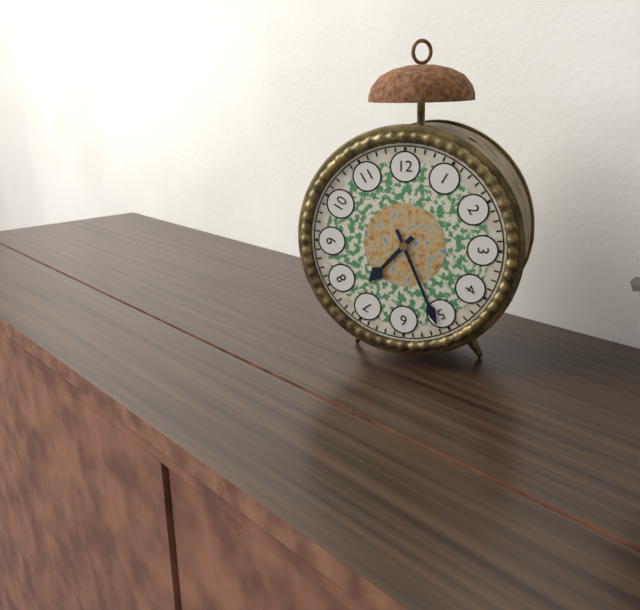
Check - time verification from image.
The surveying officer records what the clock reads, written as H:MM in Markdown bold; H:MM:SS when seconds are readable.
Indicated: **7:26**
